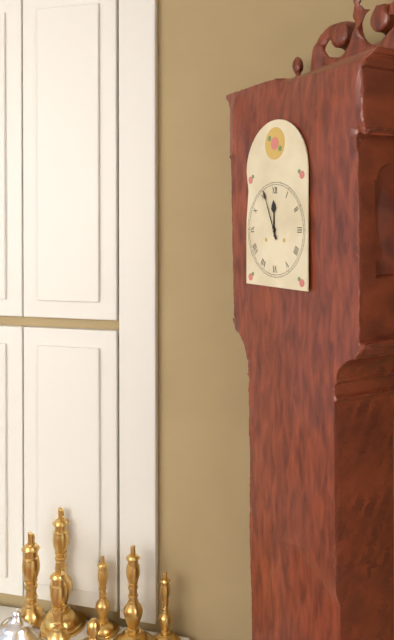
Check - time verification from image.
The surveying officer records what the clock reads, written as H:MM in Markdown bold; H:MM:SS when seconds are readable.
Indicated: **11:56**
